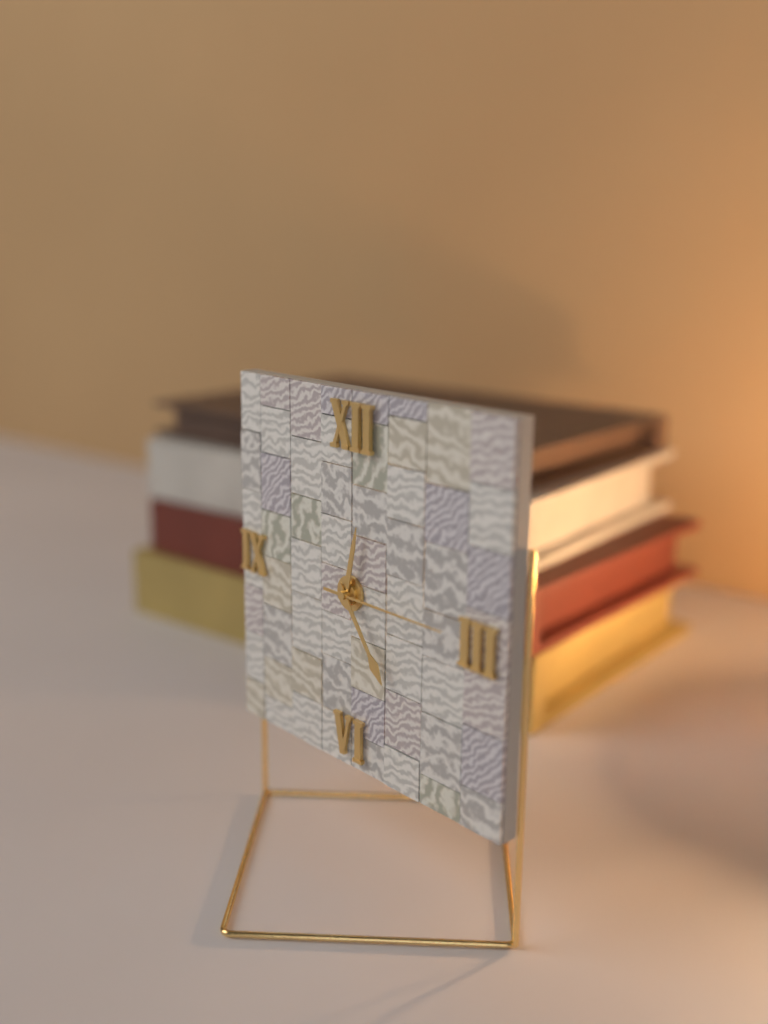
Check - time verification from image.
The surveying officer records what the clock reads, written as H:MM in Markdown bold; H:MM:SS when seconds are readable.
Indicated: **12:24:15**
